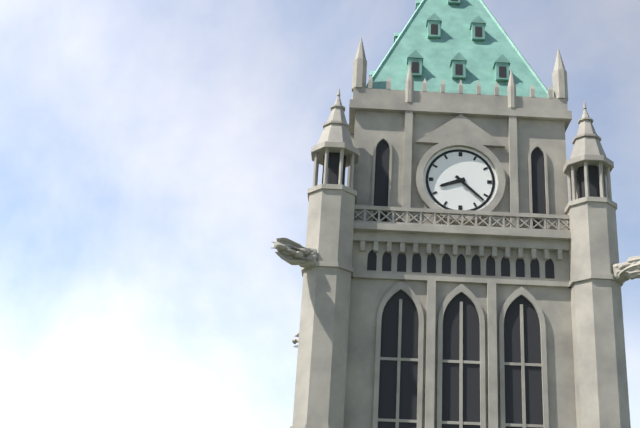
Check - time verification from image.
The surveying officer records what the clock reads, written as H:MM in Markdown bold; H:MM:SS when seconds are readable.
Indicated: **8:22**
